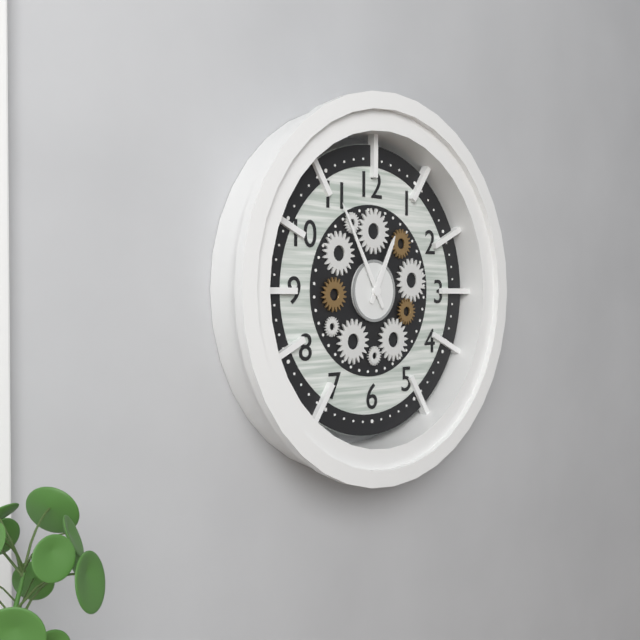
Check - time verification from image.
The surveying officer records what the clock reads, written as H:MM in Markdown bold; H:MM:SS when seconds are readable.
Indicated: **12:55**
